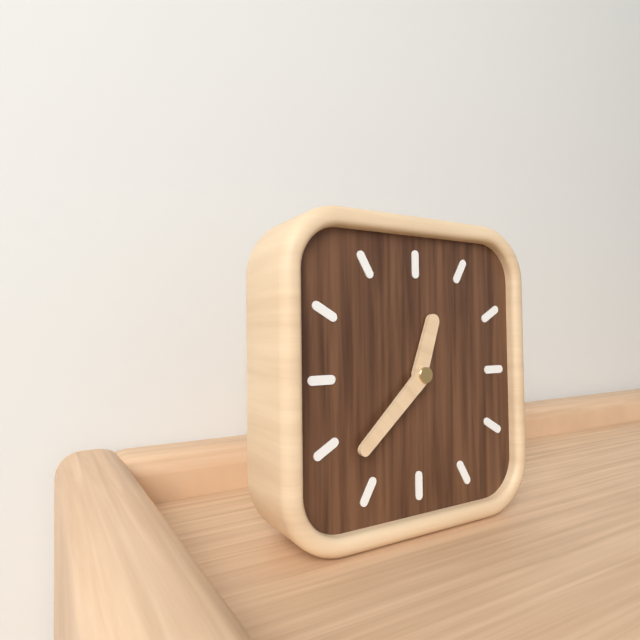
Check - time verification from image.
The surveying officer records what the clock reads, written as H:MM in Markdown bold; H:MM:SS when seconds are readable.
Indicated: **12:38**
